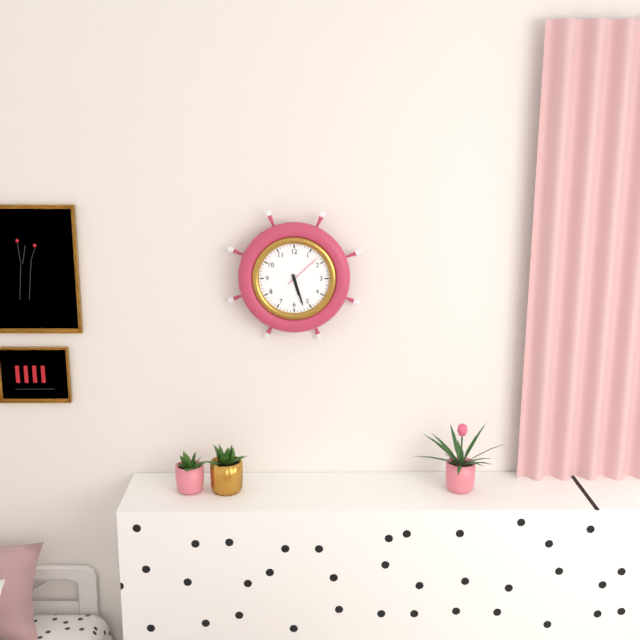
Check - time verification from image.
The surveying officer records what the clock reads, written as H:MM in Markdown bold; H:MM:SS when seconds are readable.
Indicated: **5:27**
